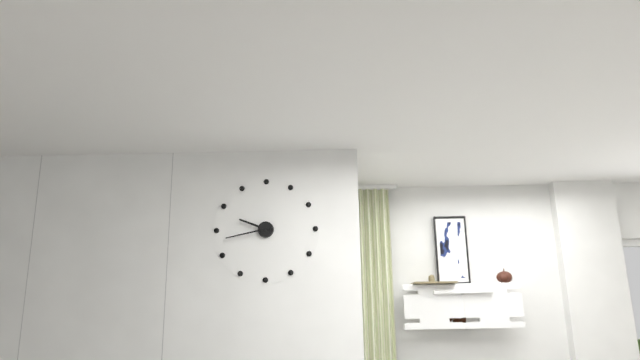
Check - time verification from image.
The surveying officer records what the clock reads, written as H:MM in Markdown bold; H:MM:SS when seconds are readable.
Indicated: **9:43**
